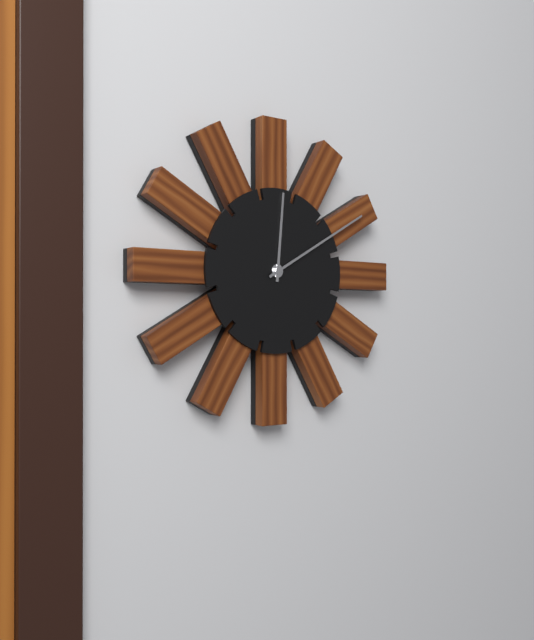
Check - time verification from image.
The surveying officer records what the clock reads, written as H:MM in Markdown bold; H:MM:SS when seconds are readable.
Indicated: **12:10**
